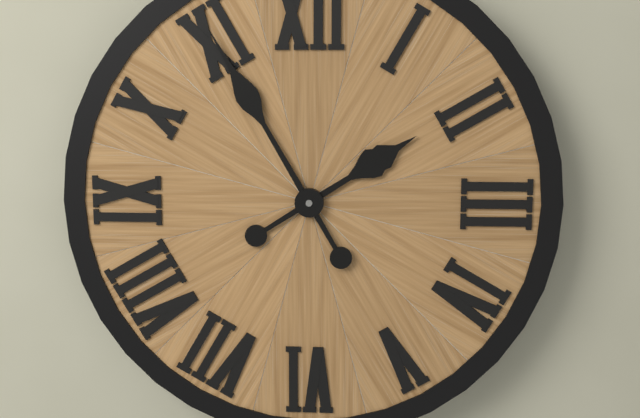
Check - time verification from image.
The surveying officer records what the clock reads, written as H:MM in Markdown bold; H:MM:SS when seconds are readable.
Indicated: **1:55**
